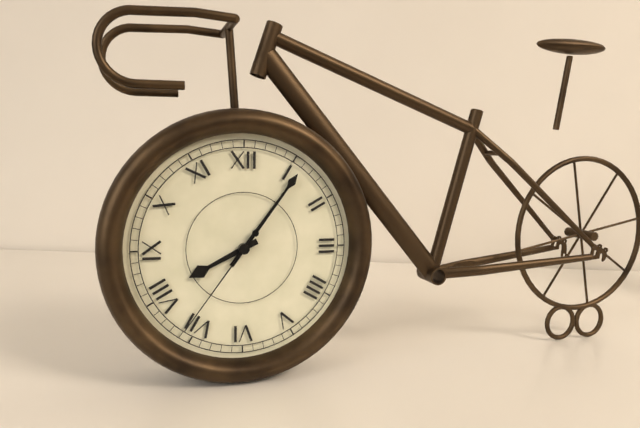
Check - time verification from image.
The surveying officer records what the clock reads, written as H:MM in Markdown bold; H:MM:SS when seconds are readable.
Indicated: **8:06:36**
